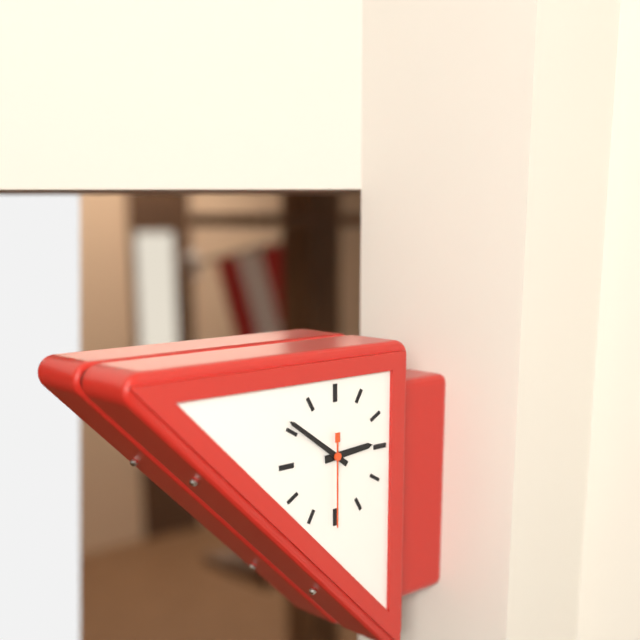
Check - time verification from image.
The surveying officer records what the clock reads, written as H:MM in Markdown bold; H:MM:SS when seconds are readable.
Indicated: **2:51:30**
